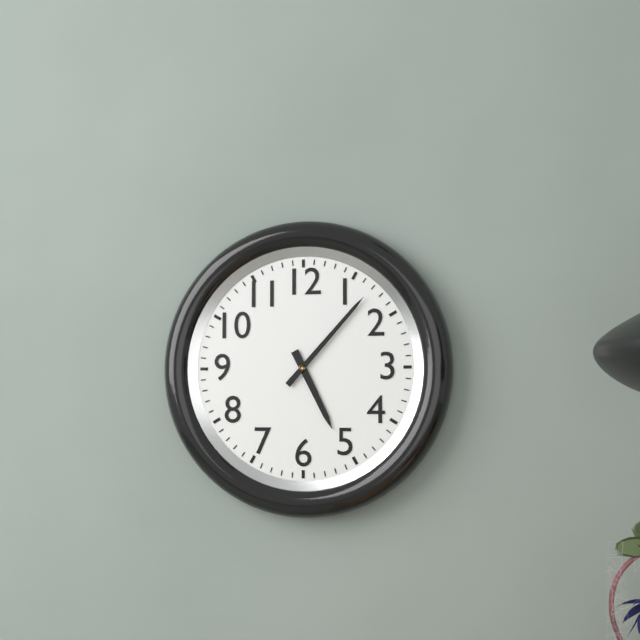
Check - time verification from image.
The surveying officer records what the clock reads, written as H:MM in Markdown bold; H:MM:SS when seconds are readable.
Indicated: **5:07**
